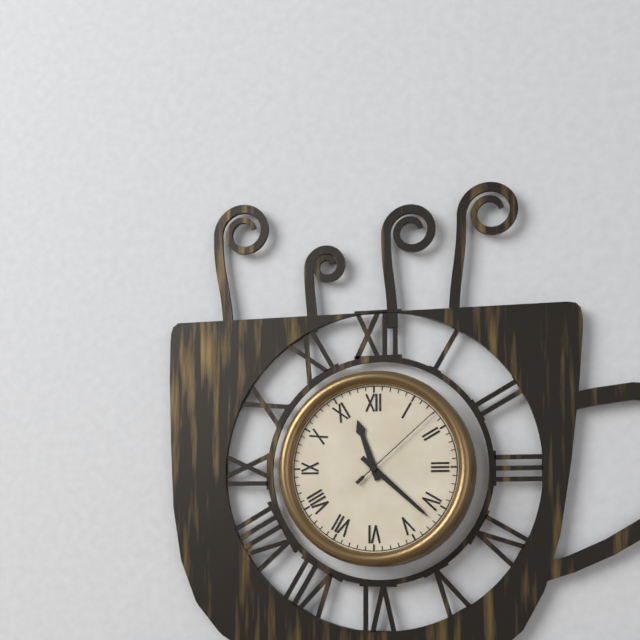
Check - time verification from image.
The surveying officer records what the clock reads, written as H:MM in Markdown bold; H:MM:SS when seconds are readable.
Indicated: **11:22:08**
